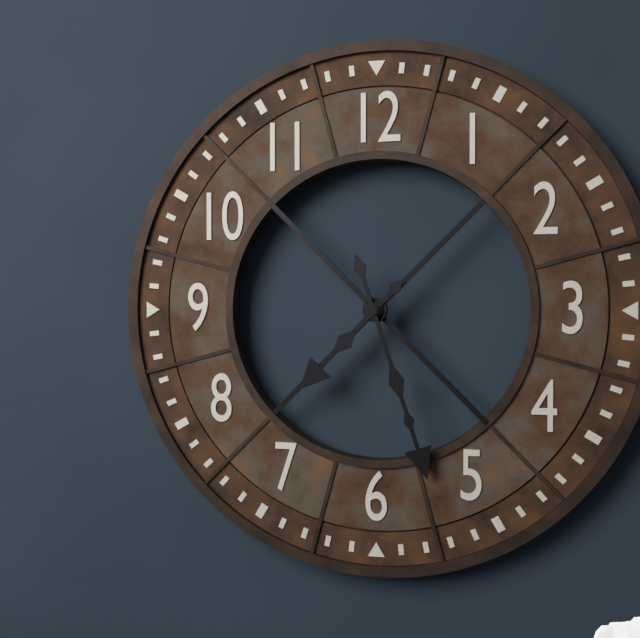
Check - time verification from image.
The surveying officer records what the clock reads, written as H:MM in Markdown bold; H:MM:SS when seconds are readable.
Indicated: **7:27**
